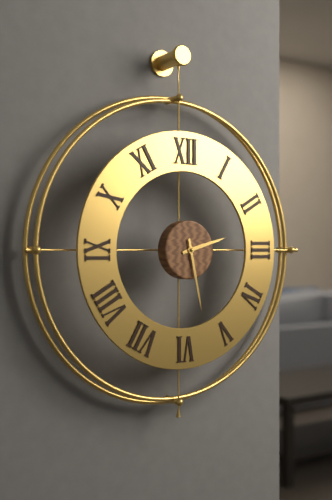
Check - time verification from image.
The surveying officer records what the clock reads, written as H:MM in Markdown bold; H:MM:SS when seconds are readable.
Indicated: **2:28**
